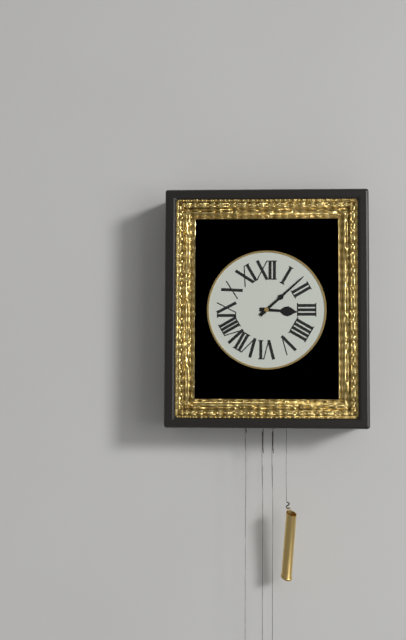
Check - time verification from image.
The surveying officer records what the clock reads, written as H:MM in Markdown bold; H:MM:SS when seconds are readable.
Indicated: **3:08**
